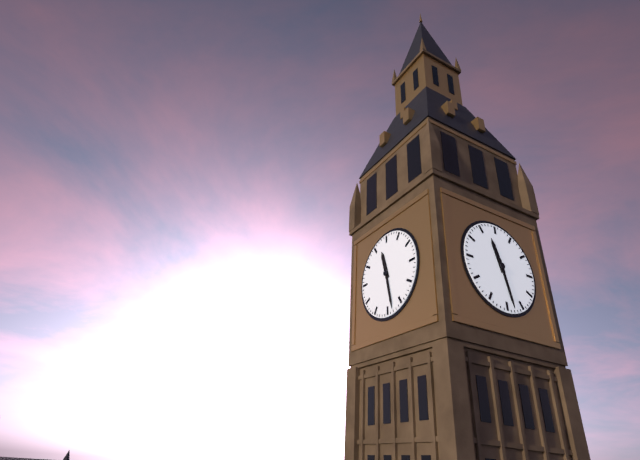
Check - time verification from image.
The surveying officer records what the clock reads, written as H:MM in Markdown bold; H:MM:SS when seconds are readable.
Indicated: **11:28**
